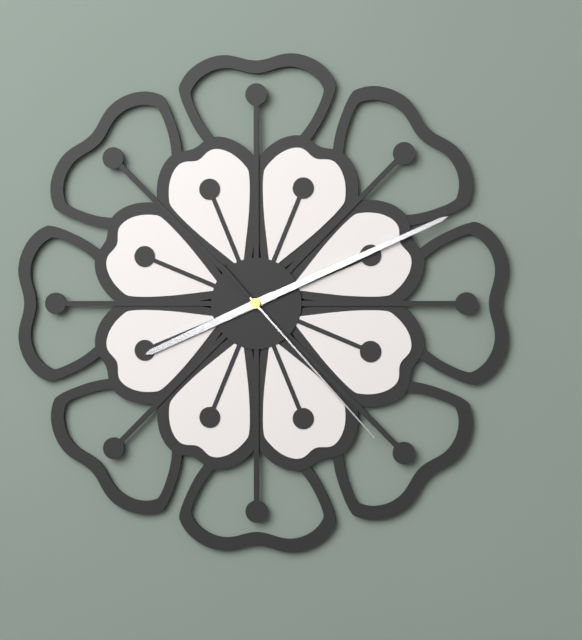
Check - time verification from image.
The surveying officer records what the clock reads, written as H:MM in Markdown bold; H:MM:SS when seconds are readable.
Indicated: **8:11:23**
